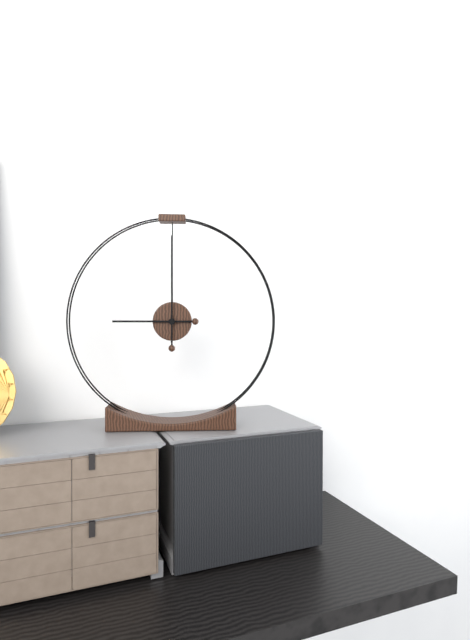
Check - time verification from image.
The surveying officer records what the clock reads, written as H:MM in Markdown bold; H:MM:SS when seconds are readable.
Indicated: **9:00**
